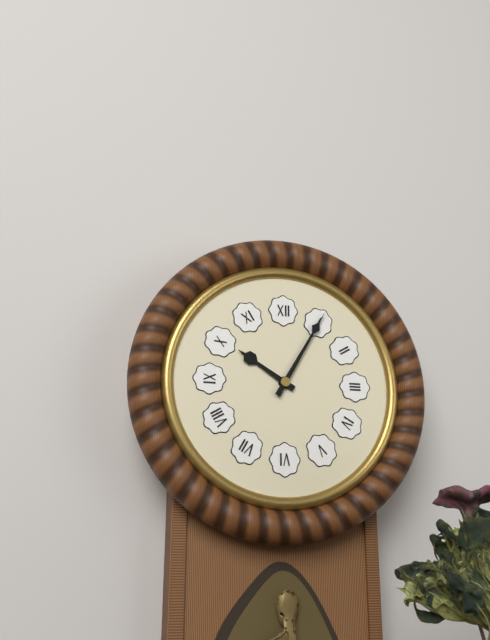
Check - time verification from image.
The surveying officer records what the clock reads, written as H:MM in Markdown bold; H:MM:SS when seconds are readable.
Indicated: **10:05**
